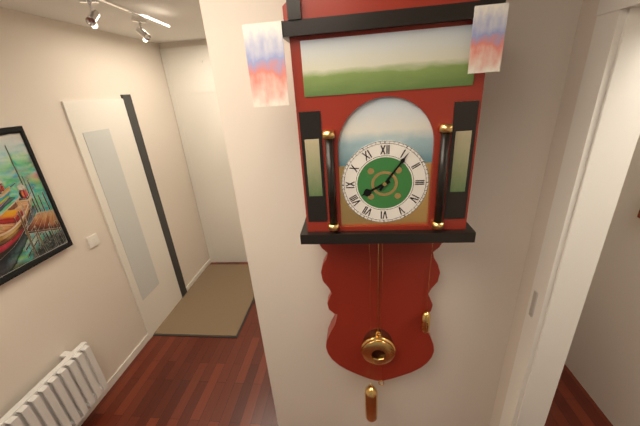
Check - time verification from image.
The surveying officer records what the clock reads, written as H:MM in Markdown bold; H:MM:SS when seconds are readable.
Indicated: **8:06**
